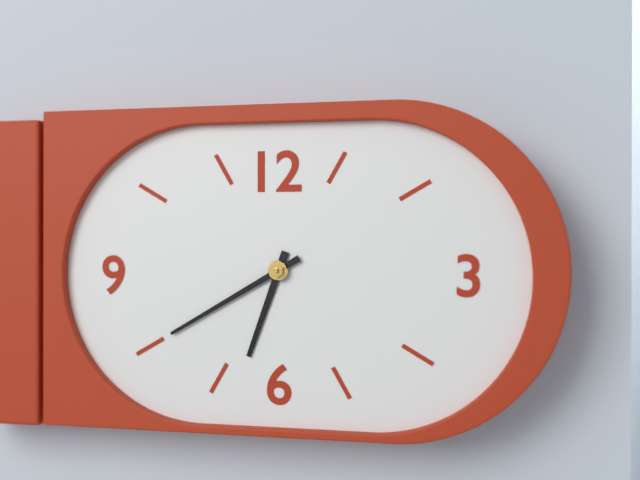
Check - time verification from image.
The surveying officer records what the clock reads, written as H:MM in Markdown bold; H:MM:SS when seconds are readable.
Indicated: **6:40**
